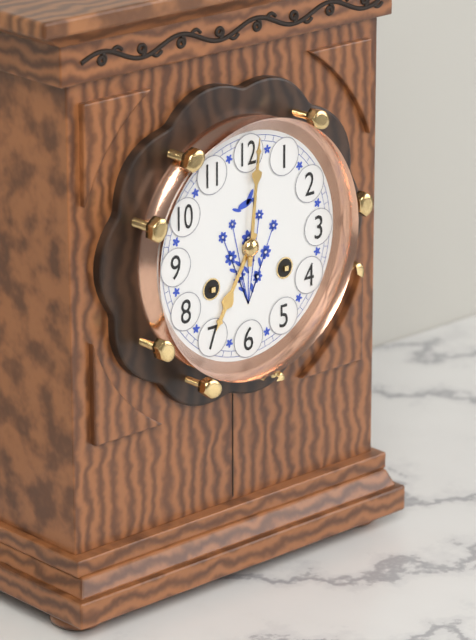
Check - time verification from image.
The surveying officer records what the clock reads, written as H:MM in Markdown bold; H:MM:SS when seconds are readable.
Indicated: **7:01**
